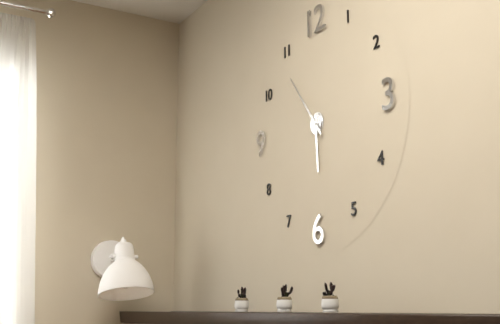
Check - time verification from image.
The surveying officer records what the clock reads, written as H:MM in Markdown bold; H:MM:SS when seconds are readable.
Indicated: **5:54**
